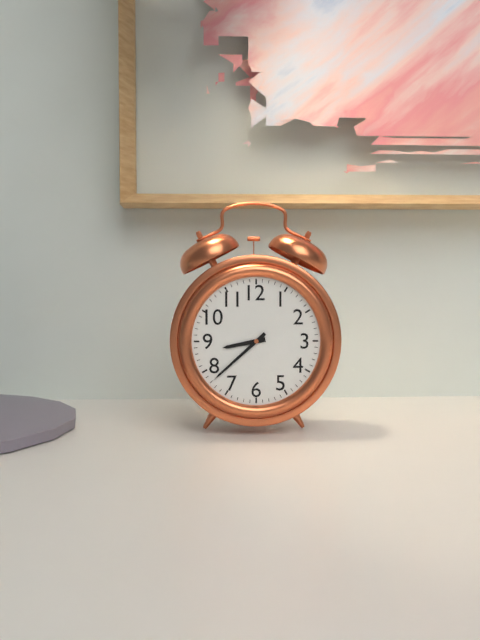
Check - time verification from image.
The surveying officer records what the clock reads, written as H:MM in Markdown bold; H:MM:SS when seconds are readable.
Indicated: **8:38**
